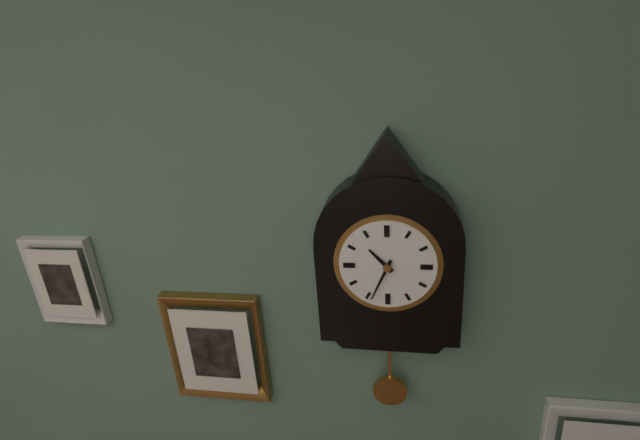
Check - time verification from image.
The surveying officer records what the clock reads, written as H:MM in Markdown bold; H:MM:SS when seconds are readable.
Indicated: **10:34**
